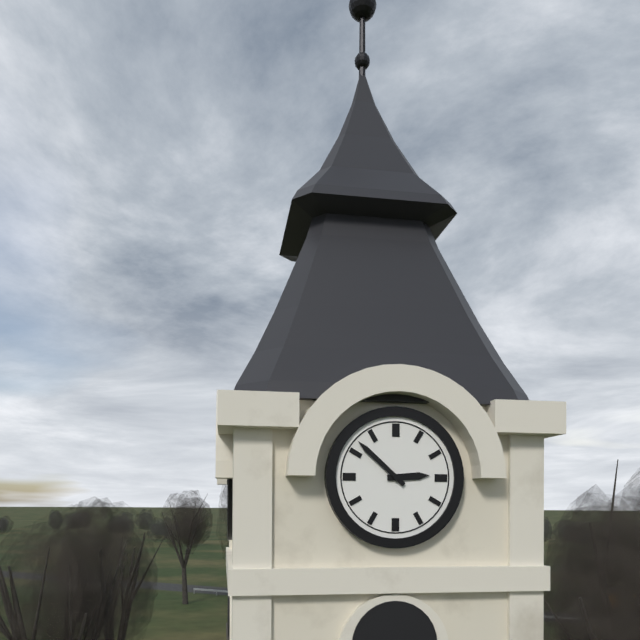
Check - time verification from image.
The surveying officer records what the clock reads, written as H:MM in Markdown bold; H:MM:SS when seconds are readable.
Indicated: **2:52**
